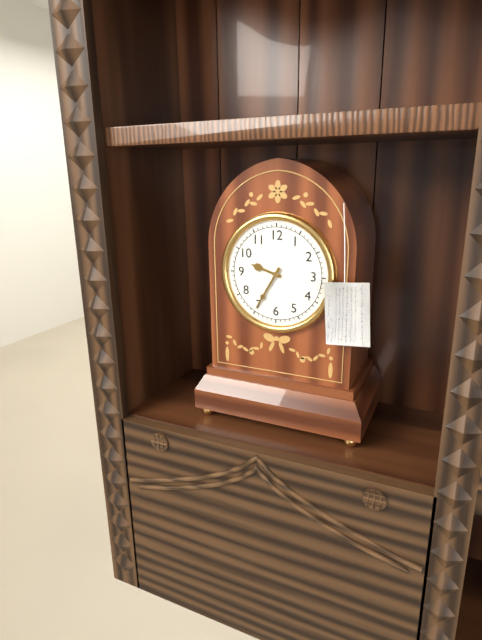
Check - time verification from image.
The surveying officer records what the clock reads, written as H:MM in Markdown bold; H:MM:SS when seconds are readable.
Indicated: **9:35**
